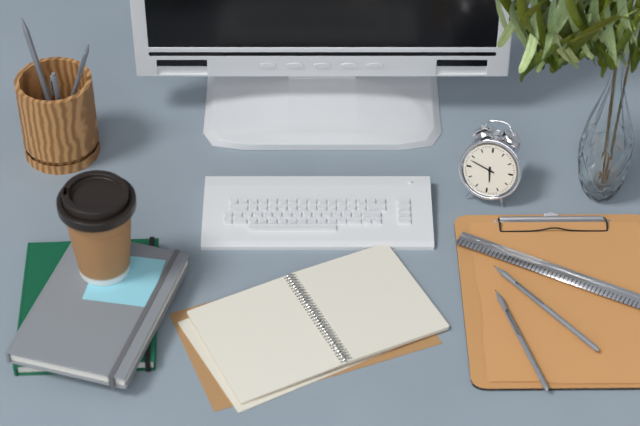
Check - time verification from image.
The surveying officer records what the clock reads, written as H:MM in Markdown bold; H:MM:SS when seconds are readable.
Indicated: **5:48**
